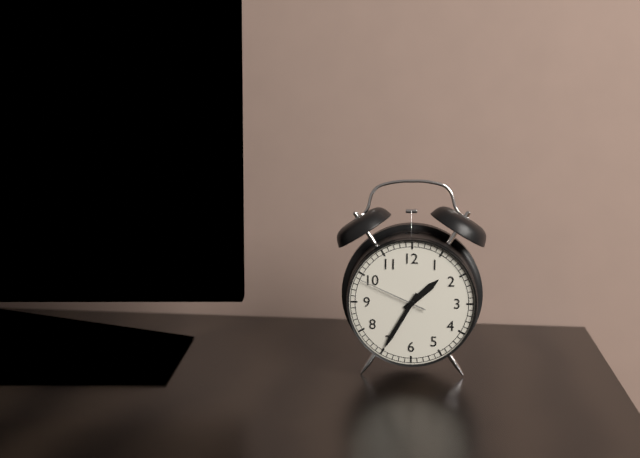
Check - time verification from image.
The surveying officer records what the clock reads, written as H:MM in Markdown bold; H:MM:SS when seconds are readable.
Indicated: **1:35:49**
